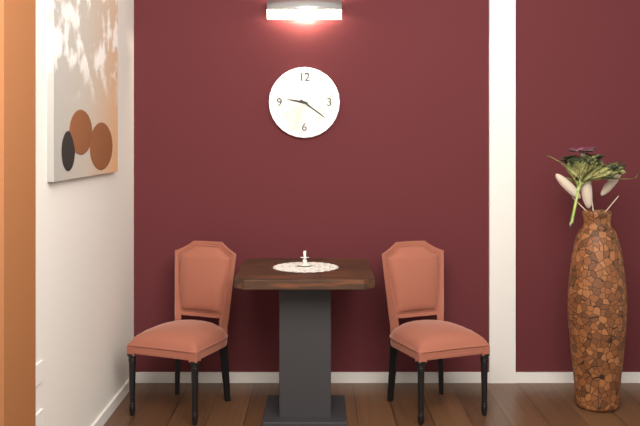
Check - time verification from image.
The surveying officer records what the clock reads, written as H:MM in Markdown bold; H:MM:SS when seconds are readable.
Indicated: **9:21**
